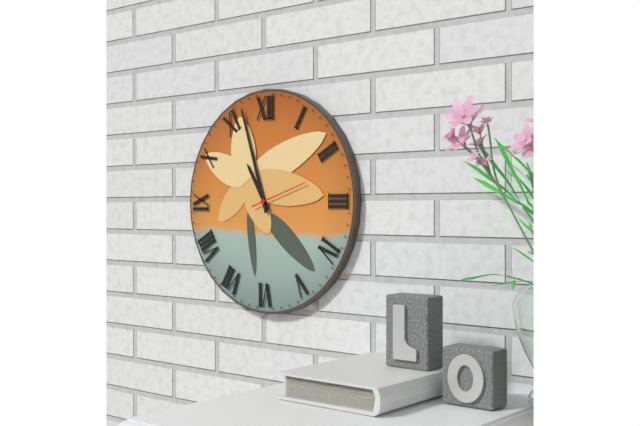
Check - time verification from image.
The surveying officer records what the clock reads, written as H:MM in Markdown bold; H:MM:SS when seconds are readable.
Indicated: **10:57:12**
